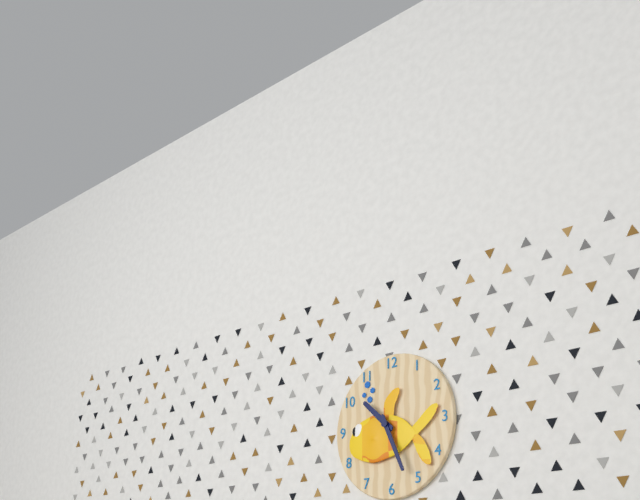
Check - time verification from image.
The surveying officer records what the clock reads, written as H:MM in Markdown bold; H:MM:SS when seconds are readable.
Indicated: **10:26**
